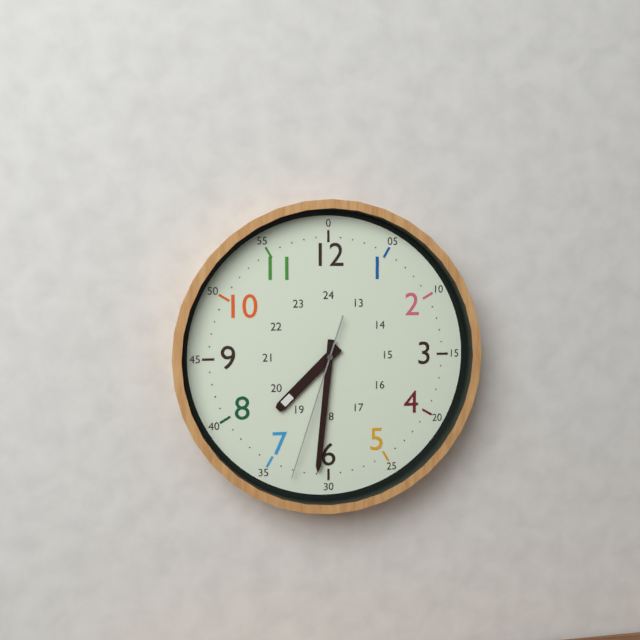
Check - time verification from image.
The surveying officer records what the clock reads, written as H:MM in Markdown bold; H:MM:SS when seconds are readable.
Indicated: **7:31:33**
